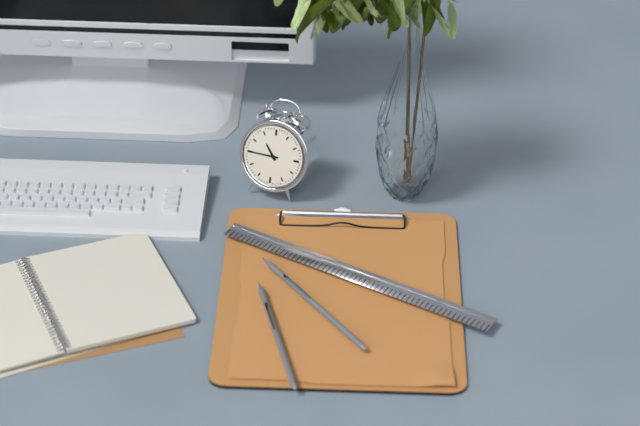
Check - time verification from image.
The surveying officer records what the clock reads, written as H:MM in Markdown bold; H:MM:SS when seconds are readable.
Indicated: **10:45**
